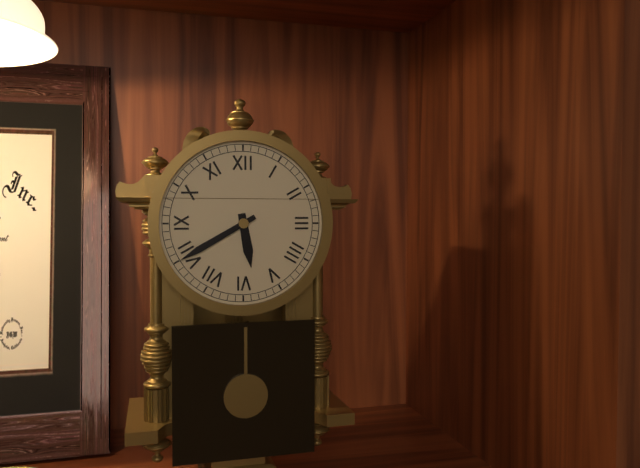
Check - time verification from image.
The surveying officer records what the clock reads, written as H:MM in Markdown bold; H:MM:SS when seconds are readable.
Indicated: **5:40**
